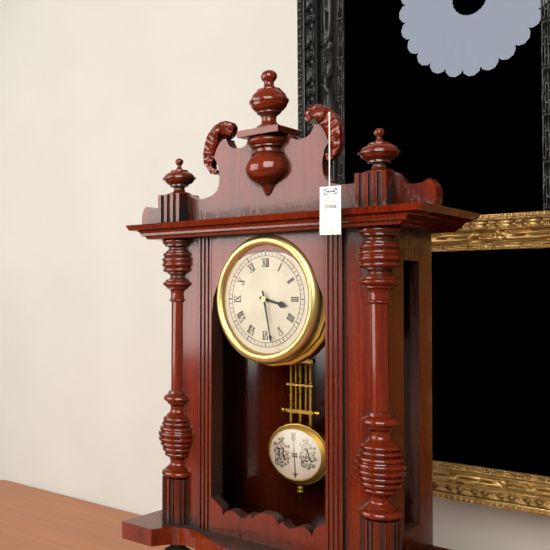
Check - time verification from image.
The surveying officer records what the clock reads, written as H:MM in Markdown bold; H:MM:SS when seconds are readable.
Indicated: **3:28**
